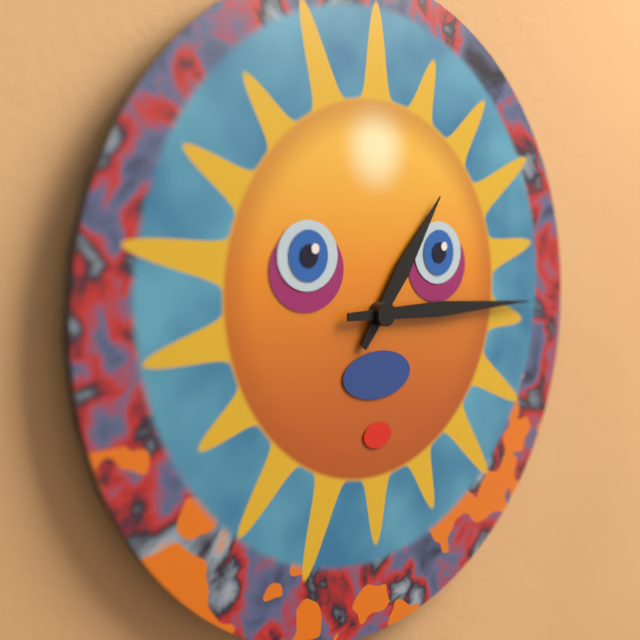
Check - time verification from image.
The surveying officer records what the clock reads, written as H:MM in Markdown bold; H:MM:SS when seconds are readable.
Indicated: **1:15**
